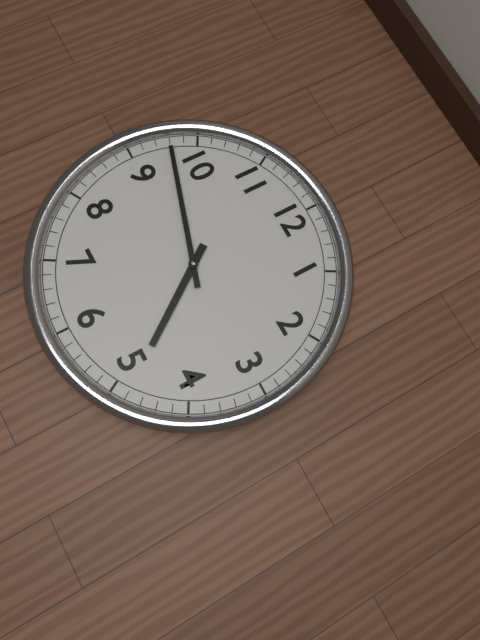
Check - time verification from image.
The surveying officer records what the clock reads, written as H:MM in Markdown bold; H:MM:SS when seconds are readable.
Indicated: **4:48**
